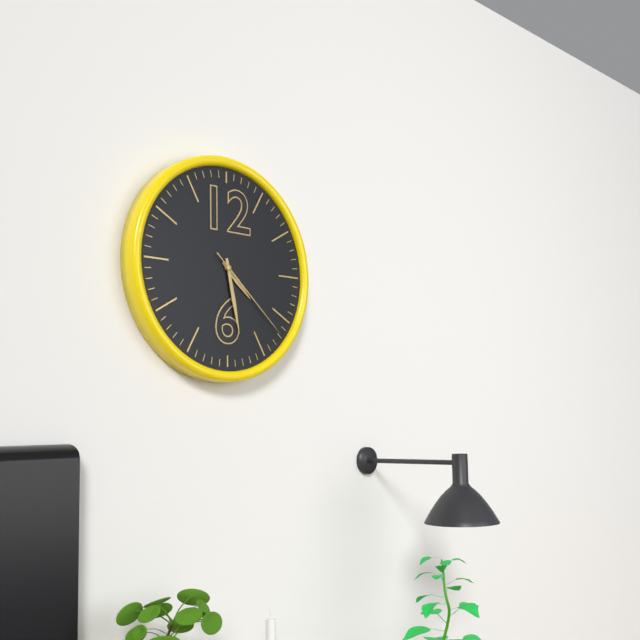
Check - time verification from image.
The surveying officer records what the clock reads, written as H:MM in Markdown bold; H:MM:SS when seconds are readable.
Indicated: **4:28:22**
